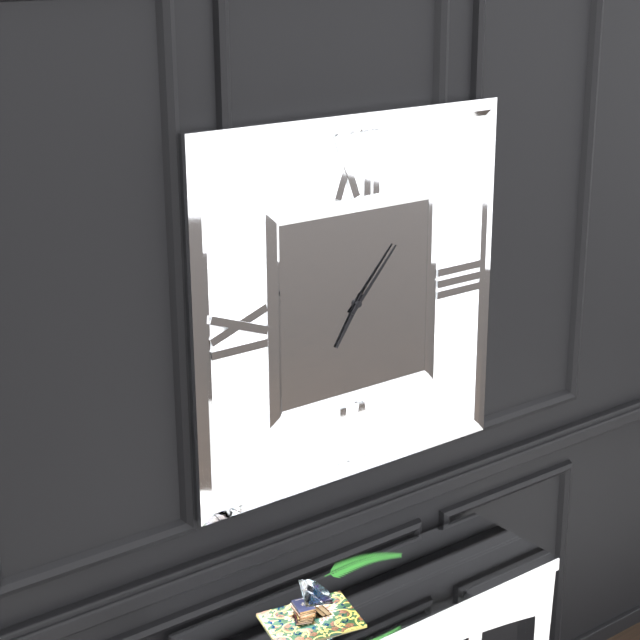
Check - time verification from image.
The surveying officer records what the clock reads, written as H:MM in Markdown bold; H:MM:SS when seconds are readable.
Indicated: **7:07**
